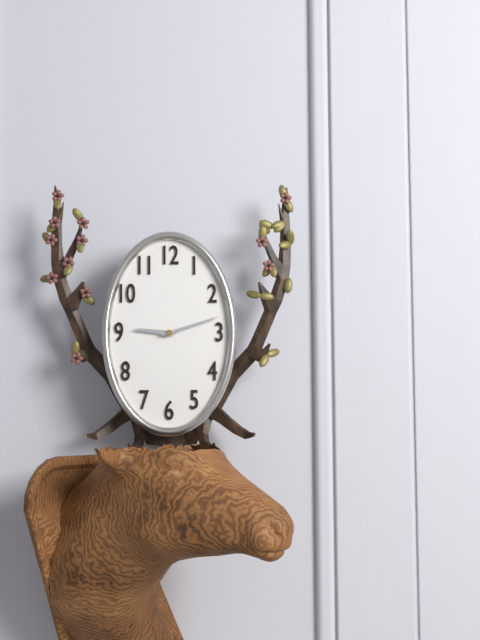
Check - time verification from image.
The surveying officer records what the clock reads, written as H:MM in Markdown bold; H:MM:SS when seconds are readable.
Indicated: **9:12**
